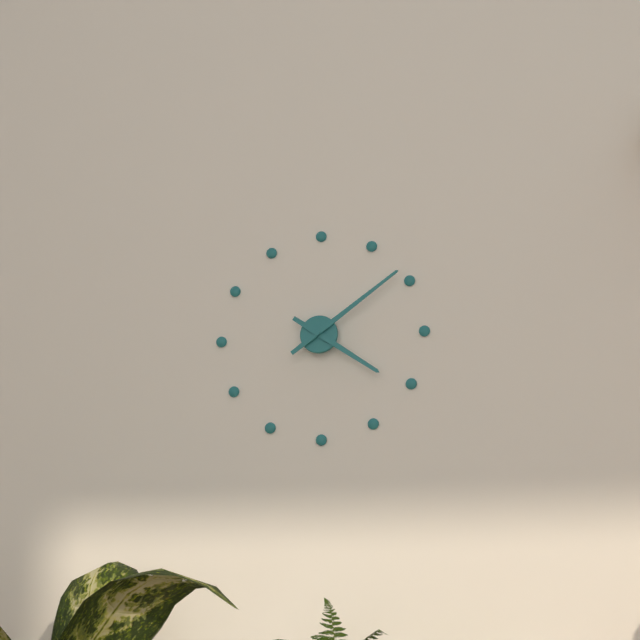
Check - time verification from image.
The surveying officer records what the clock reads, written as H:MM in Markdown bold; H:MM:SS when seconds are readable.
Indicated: **4:09**
